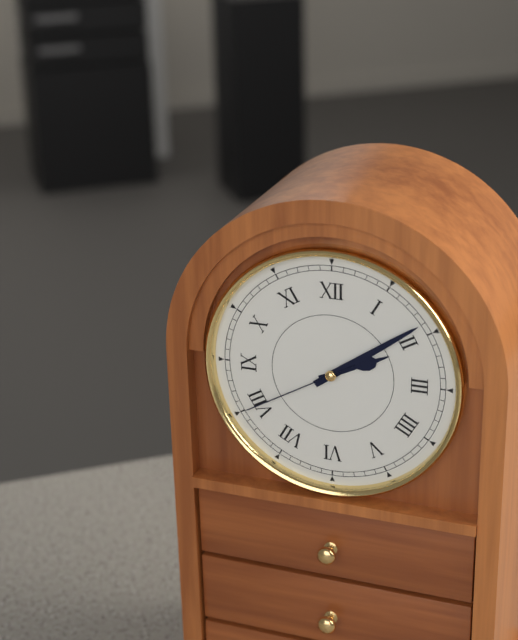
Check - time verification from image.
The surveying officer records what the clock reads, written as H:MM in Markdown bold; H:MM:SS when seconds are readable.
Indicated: **2:09:40**
